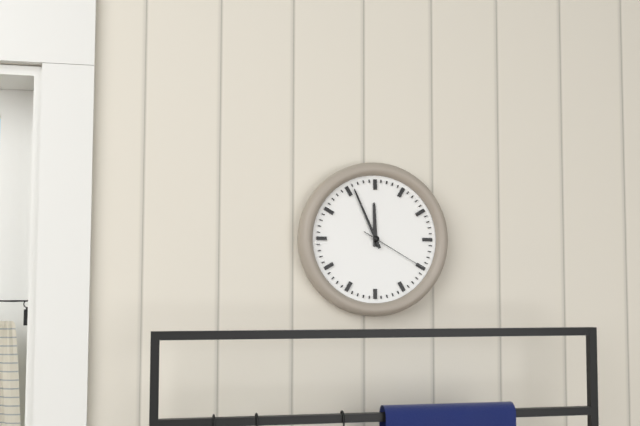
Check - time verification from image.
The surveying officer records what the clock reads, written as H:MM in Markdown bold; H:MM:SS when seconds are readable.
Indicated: **11:56:20**
